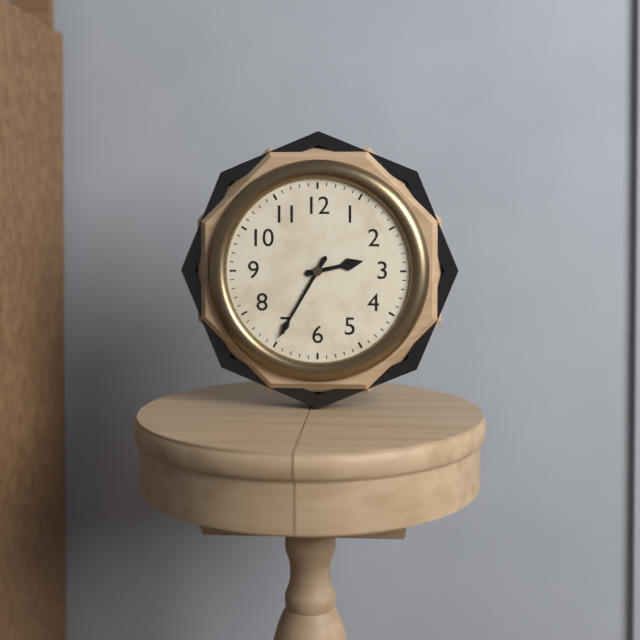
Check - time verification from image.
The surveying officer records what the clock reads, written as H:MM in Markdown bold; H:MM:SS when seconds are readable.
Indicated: **2:35**
